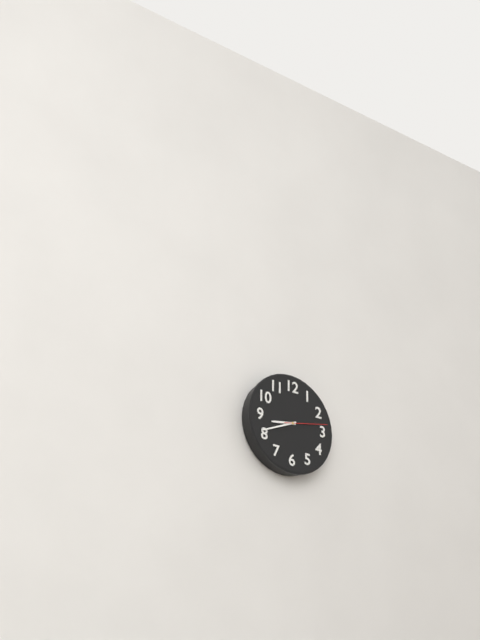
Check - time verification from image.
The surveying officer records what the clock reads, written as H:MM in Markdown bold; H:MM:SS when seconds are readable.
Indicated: **8:41**
